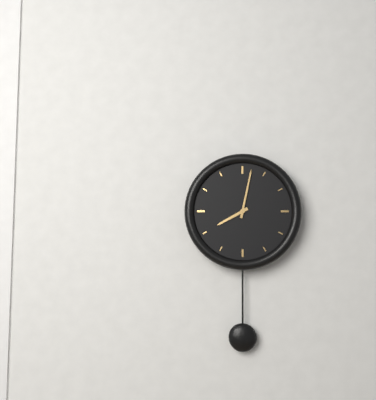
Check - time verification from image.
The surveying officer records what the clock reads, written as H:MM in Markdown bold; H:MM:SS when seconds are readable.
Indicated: **8:02**
